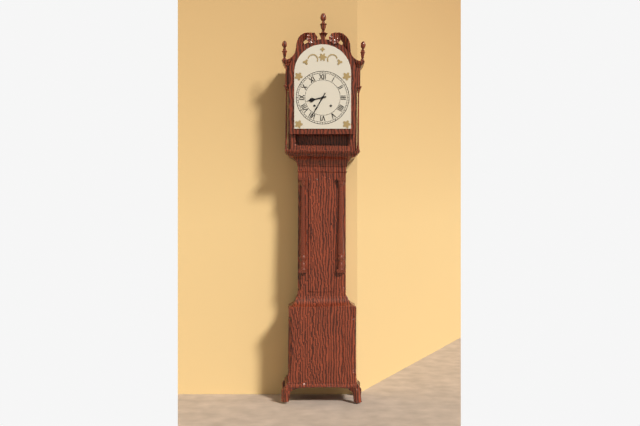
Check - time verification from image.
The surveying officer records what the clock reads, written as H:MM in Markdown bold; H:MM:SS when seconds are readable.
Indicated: **8:35**
